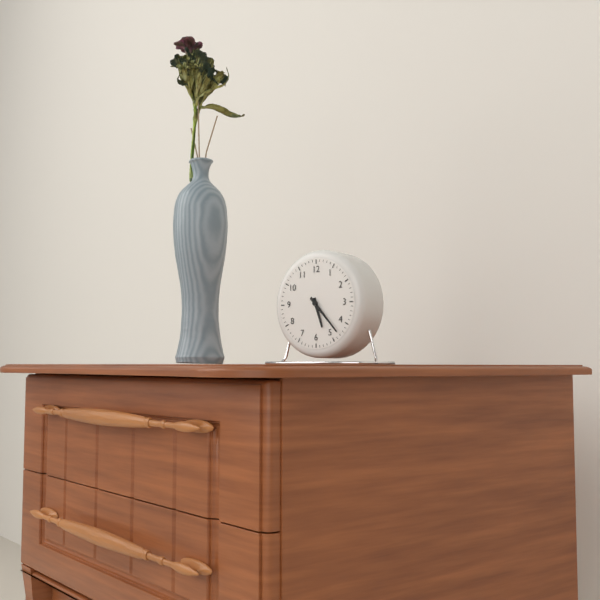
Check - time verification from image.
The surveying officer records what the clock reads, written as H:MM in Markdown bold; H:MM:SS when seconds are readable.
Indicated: **5:23**
